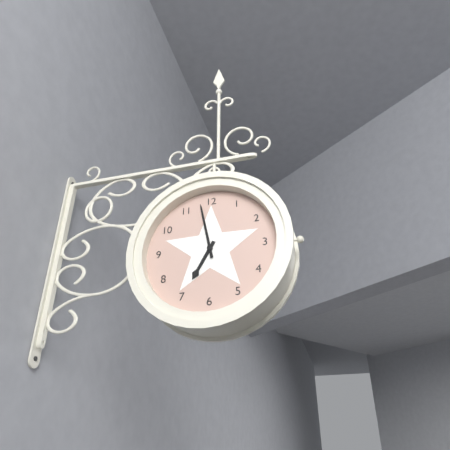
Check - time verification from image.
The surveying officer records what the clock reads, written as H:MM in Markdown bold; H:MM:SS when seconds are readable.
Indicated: **6:58**
